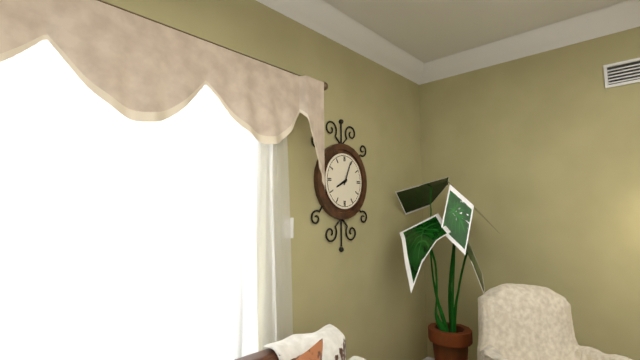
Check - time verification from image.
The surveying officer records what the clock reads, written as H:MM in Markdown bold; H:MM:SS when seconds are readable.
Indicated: **8:04**
